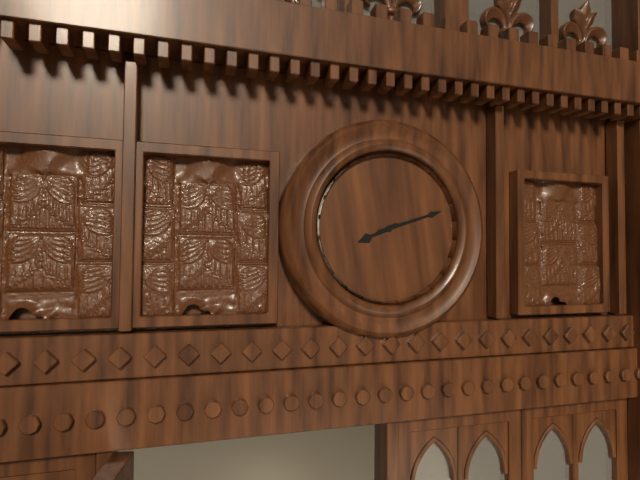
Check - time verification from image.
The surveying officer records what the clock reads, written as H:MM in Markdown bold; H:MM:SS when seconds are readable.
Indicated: **8:12**
